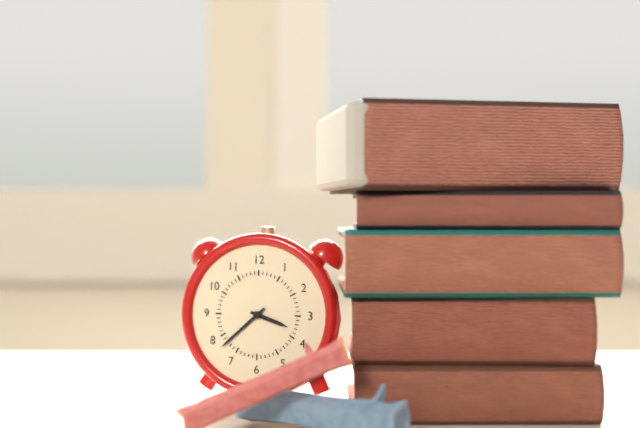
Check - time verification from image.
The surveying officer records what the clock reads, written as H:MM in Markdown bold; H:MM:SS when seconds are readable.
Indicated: **3:38**
